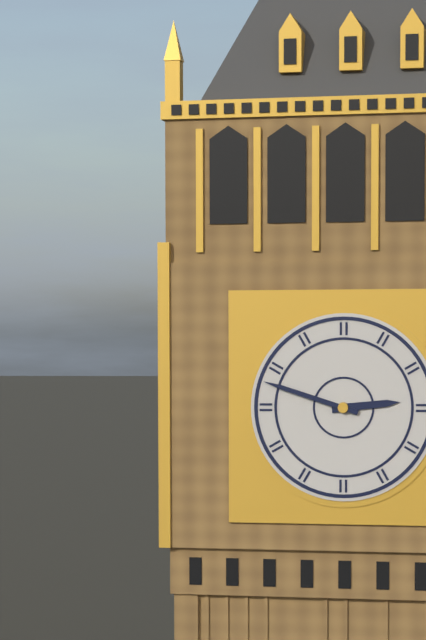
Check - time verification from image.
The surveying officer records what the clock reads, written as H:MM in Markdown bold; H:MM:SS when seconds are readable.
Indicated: **2:48**
